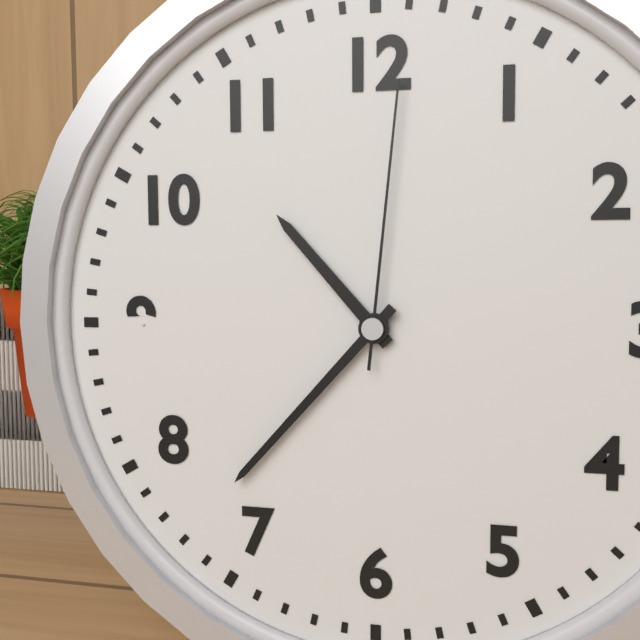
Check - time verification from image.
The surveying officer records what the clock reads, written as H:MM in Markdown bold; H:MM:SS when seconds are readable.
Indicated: **10:37:01**
